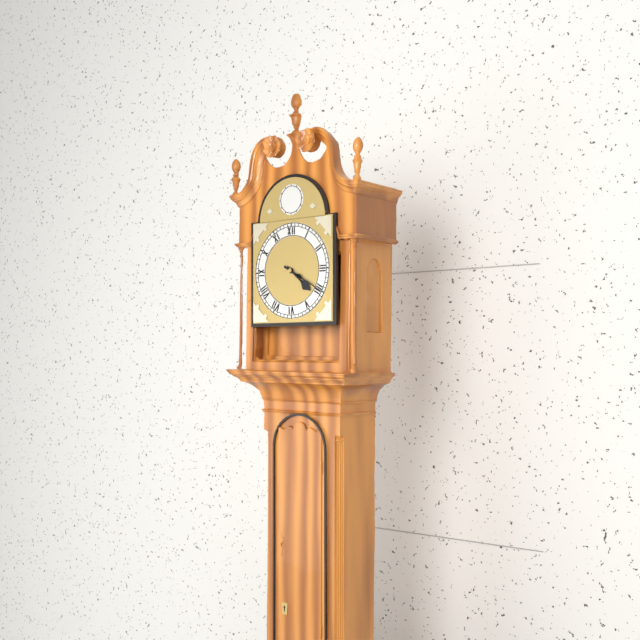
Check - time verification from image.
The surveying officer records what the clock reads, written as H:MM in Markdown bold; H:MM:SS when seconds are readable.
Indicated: **4:20**
